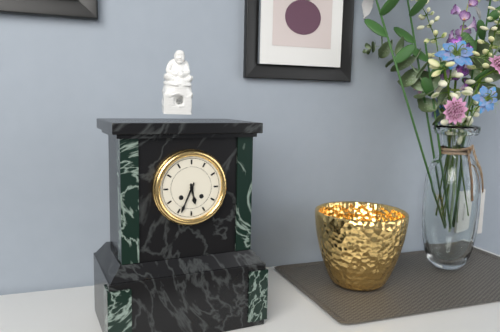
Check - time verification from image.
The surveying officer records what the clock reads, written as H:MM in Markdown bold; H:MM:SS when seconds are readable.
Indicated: **5:34**
